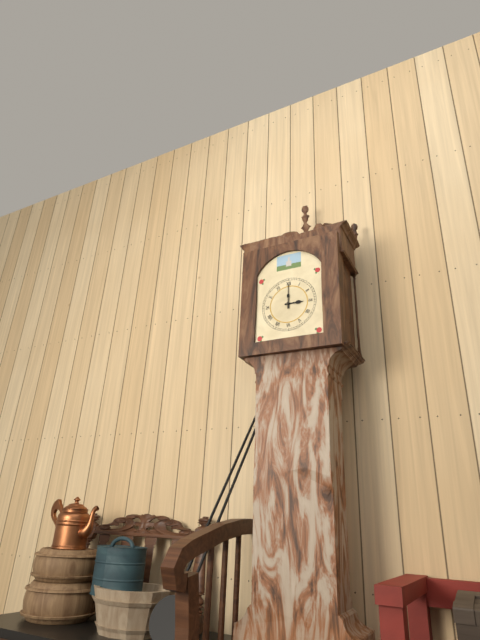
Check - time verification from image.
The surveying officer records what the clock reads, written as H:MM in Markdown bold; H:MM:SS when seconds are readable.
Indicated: **3:00**
